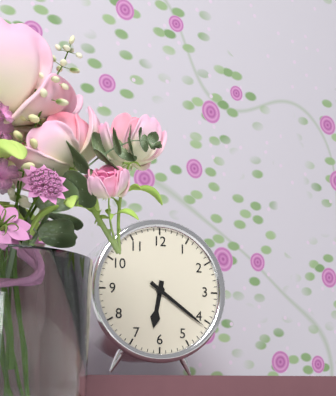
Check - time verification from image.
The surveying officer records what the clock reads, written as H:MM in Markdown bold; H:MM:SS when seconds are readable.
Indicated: **6:21**
